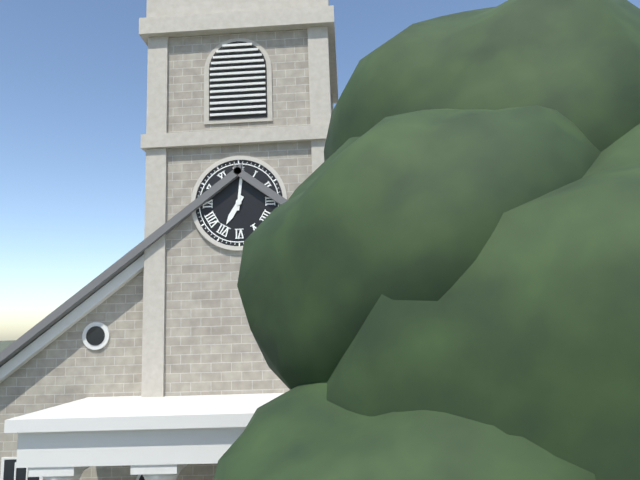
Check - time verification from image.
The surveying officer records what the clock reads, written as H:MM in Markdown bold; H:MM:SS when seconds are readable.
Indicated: **7:01**
